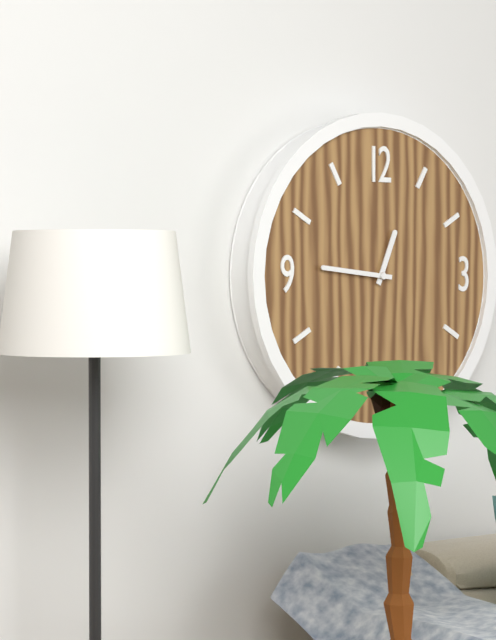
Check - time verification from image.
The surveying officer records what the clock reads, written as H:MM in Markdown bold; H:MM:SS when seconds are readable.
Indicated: **12:46**
